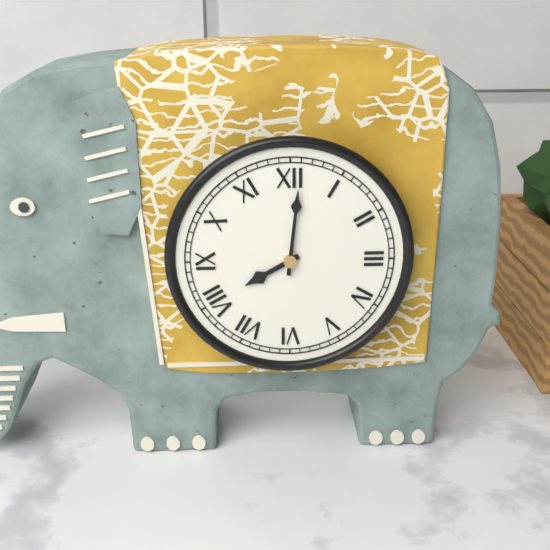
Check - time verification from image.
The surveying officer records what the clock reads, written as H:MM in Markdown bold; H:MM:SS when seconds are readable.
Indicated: **8:01**
